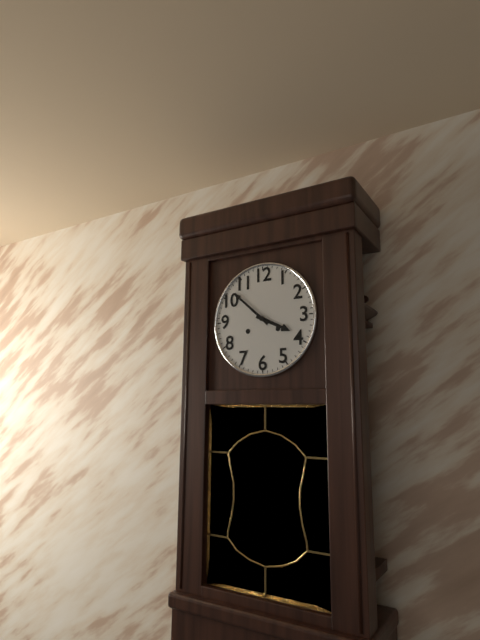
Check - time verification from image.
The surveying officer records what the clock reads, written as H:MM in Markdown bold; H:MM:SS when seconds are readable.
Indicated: **3:52**
